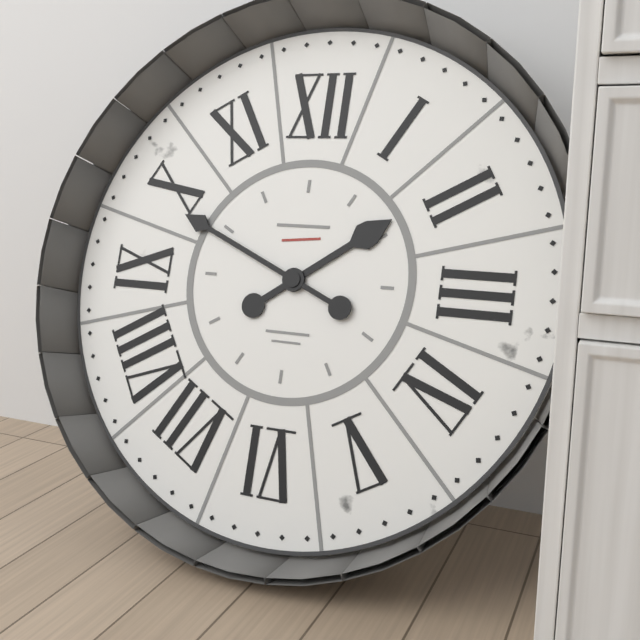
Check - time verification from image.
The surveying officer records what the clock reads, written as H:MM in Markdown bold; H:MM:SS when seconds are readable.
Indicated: **1:49**
